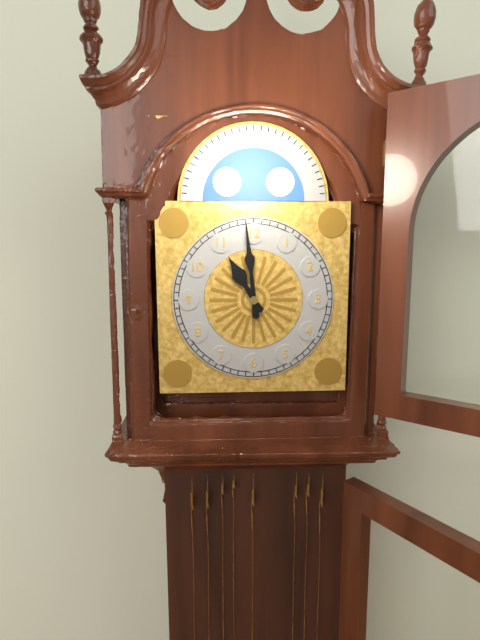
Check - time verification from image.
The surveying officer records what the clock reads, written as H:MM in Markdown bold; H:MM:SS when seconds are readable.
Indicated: **10:59**
